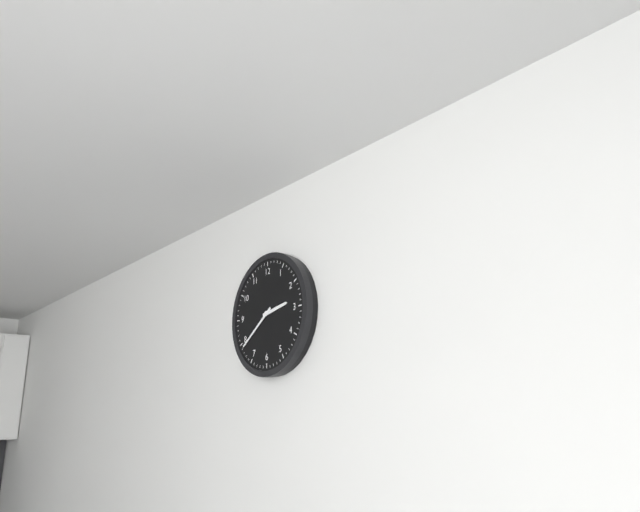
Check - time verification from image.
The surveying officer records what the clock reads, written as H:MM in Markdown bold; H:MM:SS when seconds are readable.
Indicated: **2:39**
